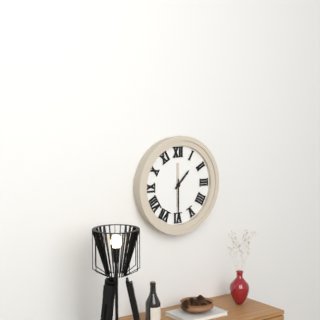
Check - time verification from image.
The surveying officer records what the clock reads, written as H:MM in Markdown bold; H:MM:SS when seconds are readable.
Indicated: **1:30**
